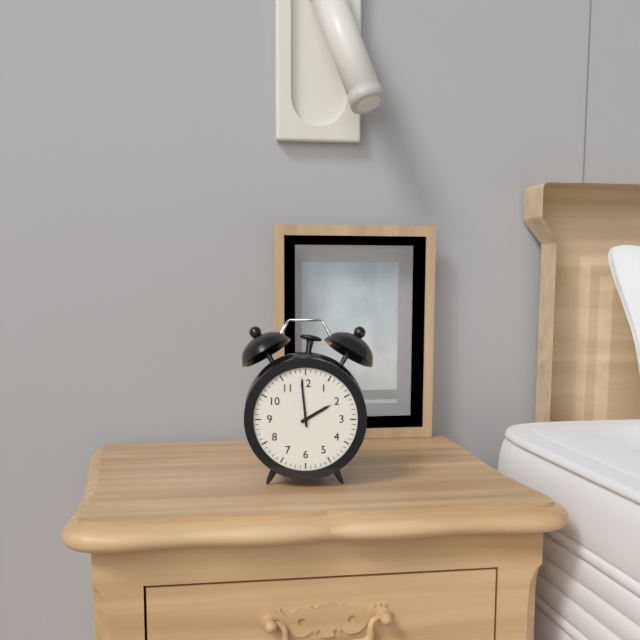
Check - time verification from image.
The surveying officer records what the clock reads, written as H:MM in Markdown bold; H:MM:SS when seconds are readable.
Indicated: **1:59**
